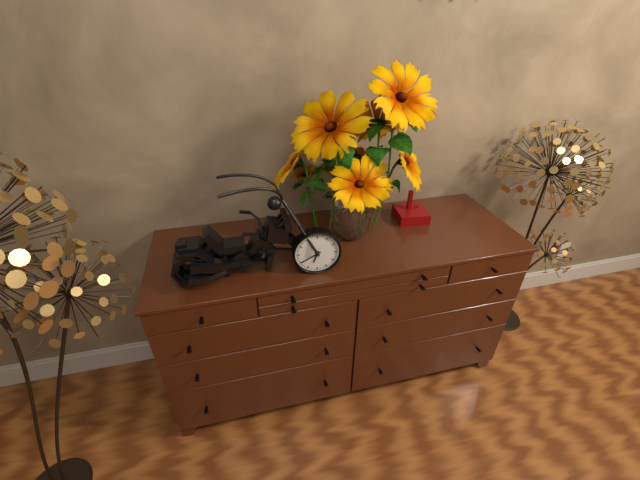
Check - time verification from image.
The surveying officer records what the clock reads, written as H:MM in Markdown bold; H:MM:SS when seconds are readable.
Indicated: **6:40**
